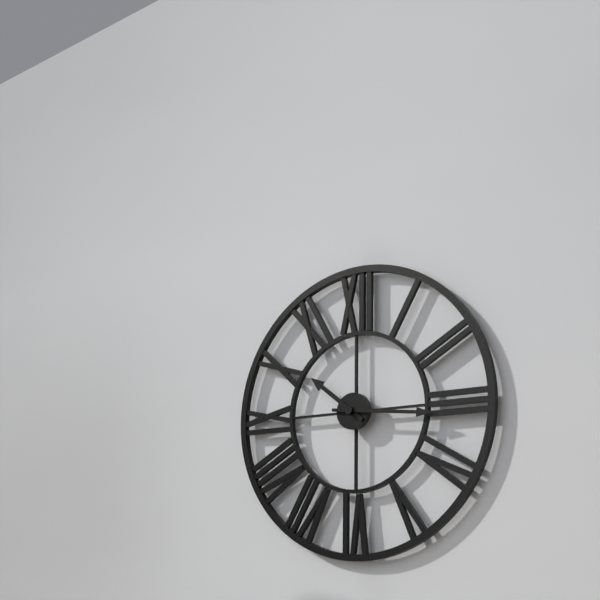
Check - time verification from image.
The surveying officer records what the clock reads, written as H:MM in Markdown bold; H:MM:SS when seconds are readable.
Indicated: **10:16**
